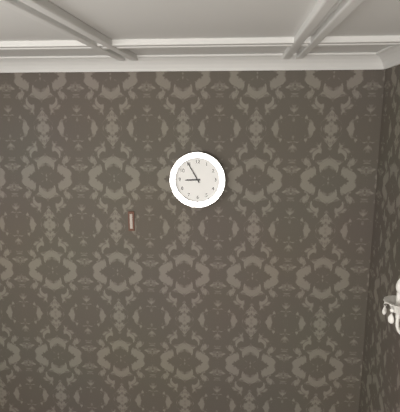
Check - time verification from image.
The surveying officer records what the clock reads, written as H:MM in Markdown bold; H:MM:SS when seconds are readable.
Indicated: **8:55**
